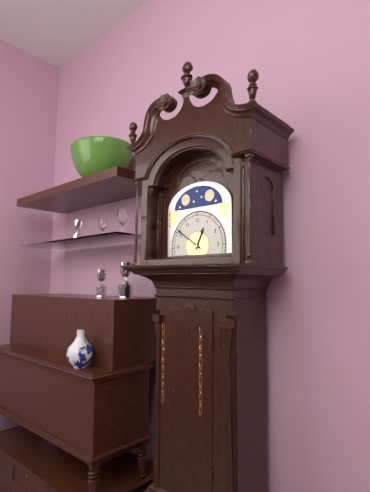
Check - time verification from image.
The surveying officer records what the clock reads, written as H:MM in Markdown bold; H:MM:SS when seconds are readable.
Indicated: **12:51**
